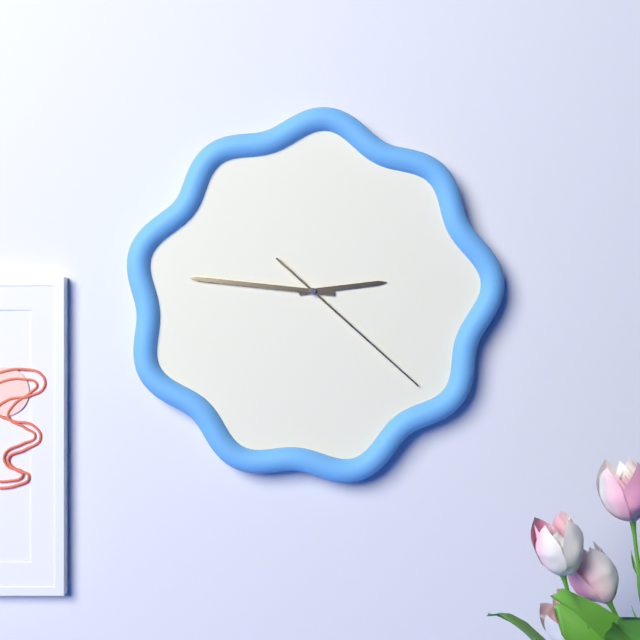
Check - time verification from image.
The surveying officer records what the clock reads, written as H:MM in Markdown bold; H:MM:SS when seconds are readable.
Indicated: **2:46:22**
